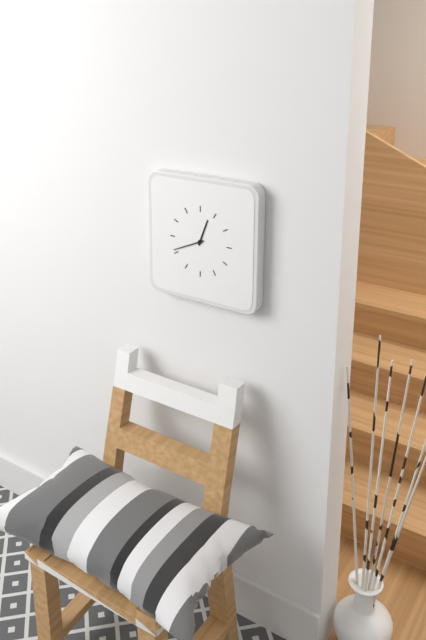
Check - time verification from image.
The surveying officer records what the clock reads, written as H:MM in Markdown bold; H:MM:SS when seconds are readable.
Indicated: **12:41**
